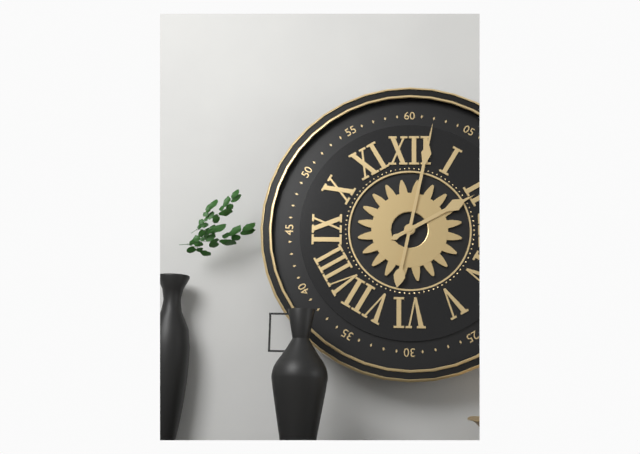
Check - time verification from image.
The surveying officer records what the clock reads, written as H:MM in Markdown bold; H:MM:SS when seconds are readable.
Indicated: **2:02**
